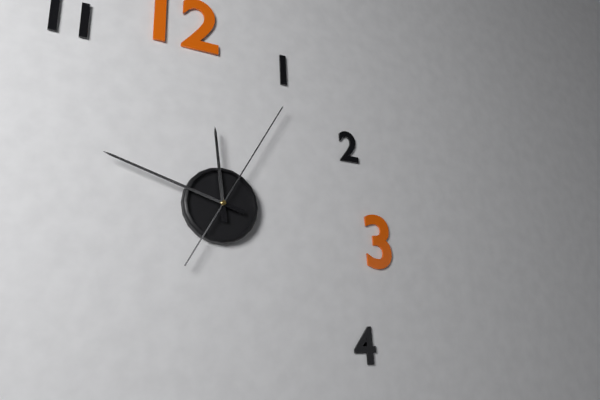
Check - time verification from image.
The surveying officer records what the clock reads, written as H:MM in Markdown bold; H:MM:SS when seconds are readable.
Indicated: **11:48:05**
